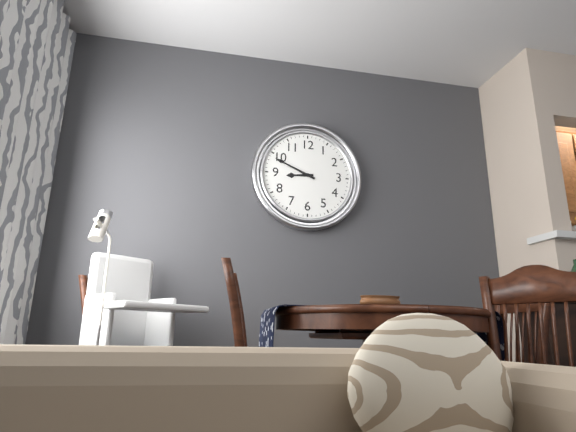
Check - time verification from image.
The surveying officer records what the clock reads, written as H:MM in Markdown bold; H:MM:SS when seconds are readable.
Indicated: **8:49**
